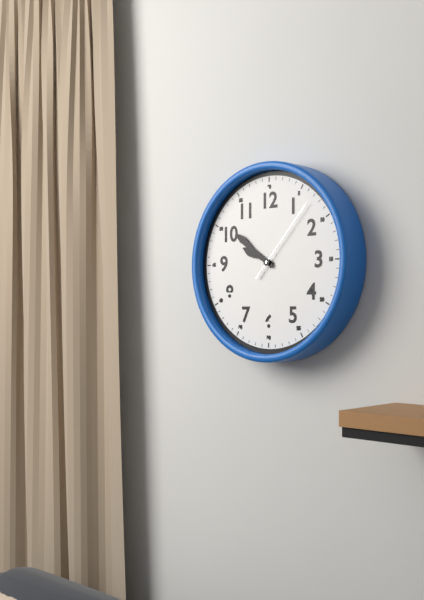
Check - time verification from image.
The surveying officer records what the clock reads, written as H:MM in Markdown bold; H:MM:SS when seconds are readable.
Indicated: **9:51:07**
